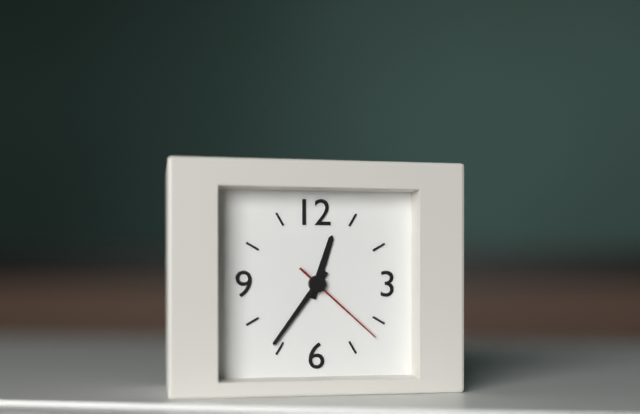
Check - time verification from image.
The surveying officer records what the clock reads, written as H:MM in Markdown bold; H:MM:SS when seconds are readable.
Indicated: **12:36:22**
